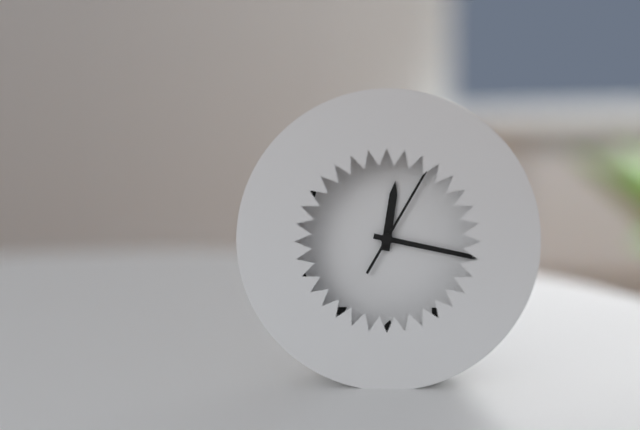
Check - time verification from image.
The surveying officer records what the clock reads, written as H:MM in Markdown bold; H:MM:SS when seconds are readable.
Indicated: **12:17:05**
